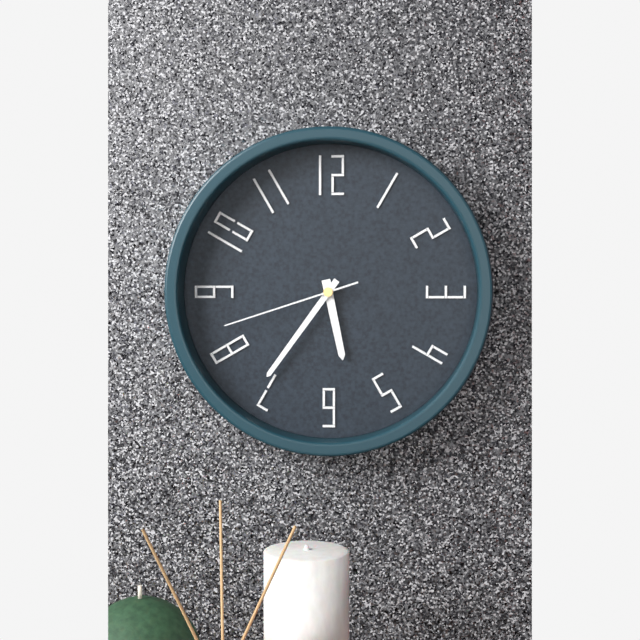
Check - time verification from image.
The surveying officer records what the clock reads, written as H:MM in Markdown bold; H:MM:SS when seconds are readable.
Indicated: **5:36:42**
